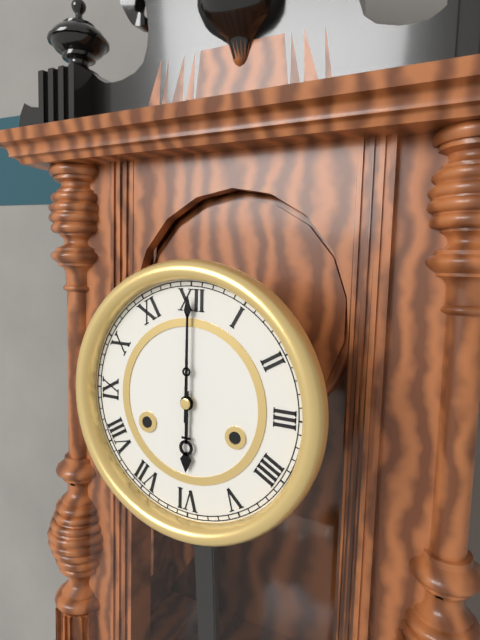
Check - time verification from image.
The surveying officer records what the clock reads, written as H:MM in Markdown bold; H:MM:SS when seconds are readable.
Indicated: **6:00**
